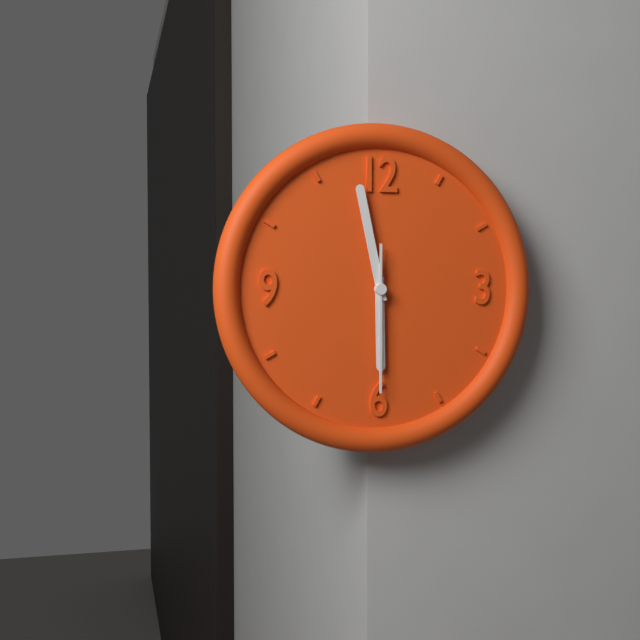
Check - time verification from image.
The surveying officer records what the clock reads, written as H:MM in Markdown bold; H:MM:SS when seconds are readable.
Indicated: **5:58:30**
